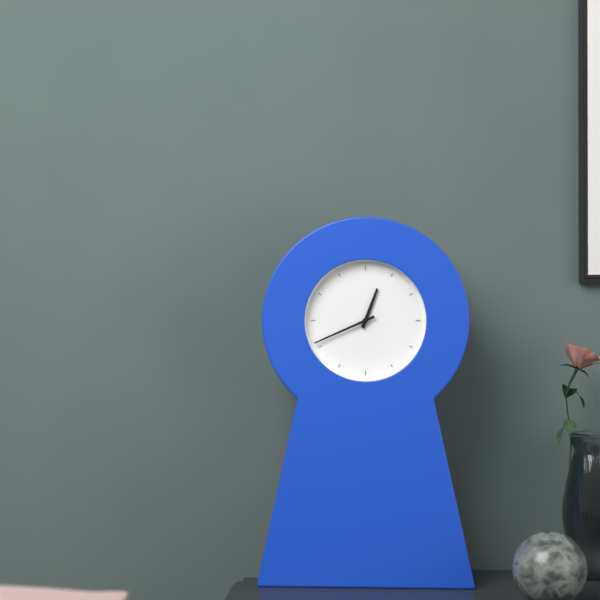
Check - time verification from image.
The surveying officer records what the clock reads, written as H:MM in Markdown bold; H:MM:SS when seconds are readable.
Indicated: **12:41**
